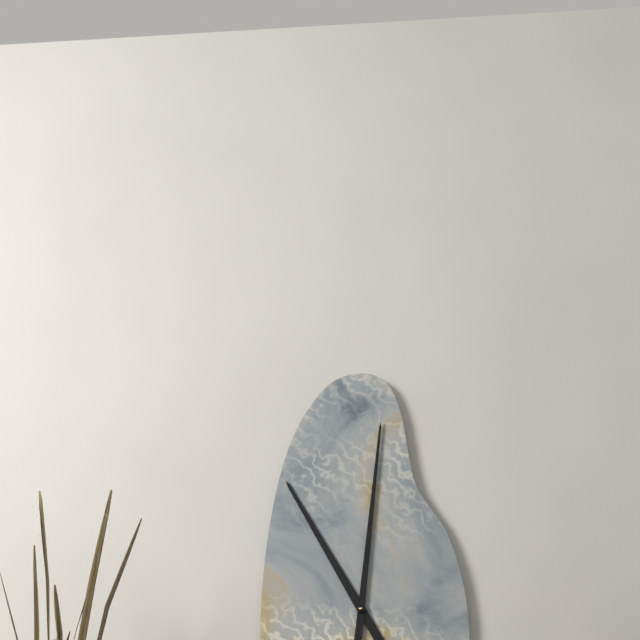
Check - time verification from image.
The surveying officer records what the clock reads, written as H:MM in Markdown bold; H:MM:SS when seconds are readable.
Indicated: **11:01**
